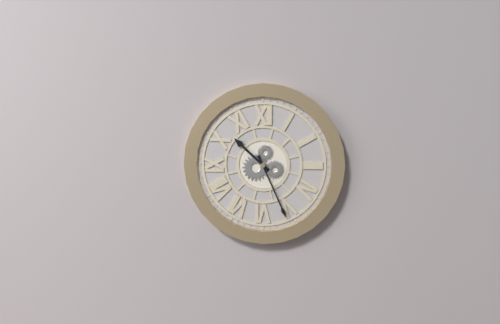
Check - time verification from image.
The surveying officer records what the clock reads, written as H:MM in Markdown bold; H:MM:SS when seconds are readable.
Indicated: **10:26**
